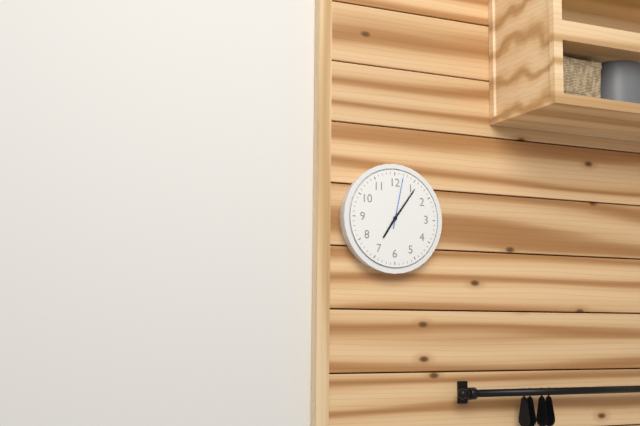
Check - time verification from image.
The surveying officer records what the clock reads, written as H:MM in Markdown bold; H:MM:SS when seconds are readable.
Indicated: **7:06:02**
